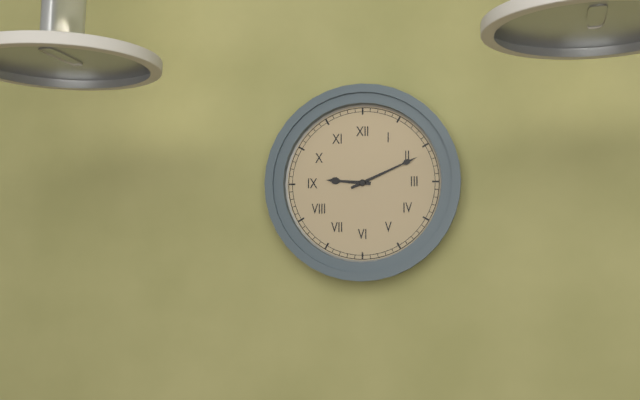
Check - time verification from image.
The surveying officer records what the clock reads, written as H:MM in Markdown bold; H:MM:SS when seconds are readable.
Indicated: **9:11**
